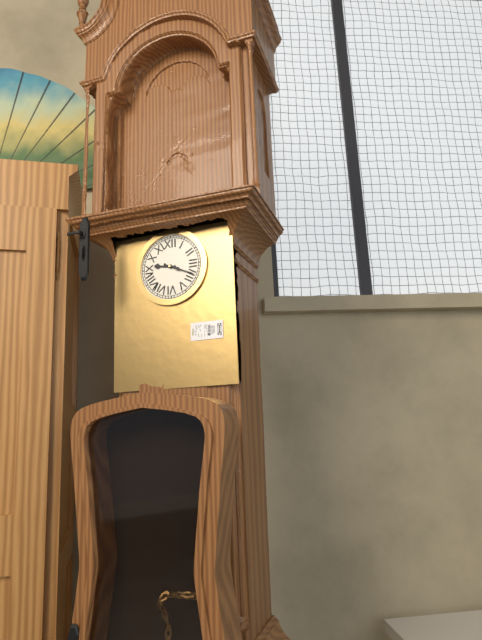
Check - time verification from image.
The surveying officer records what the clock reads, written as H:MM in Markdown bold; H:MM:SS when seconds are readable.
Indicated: **9:19**
